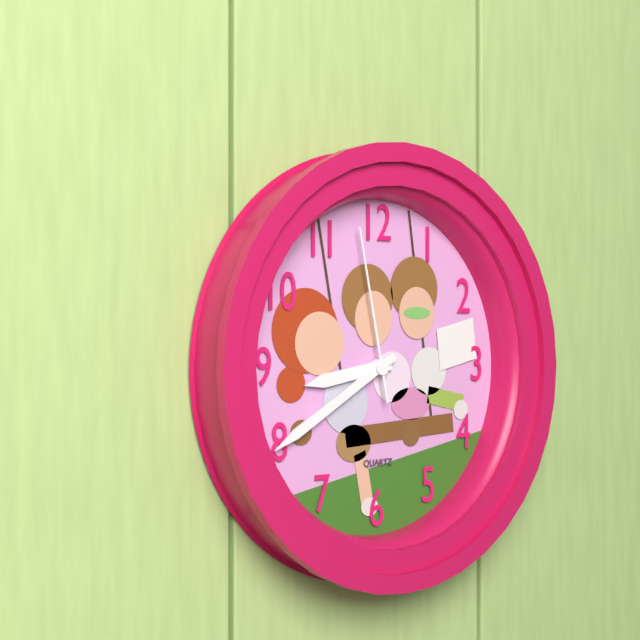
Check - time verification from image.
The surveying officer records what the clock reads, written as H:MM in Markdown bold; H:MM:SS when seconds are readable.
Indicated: **8:40:58**
